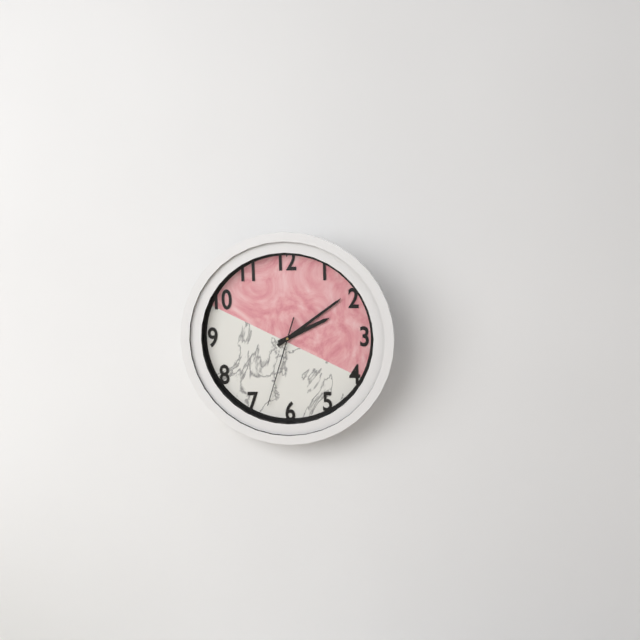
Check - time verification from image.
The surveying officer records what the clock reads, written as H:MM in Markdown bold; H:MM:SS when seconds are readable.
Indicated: **2:09:33**
